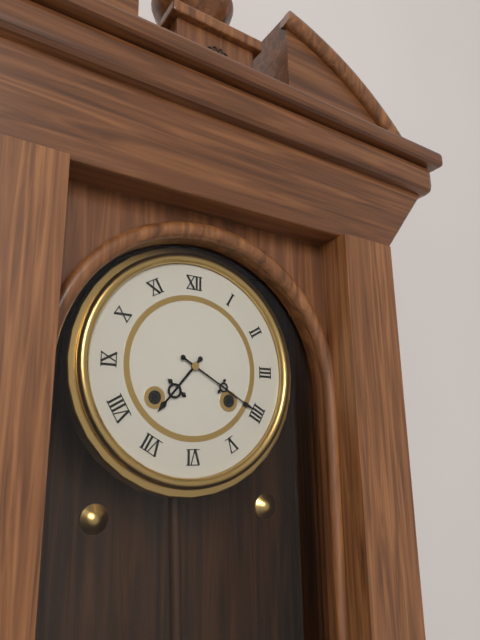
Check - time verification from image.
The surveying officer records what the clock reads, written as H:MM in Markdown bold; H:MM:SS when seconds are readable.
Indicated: **7:20**
